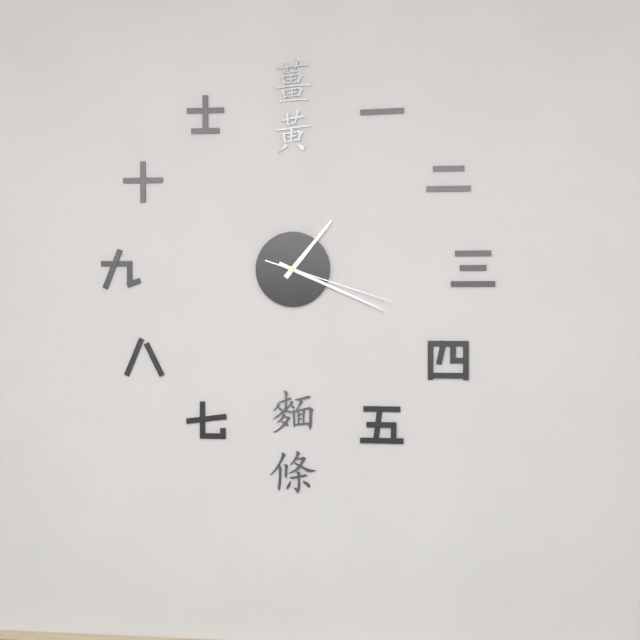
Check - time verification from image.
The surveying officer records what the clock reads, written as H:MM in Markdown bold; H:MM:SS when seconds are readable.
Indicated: **1:19:18**
